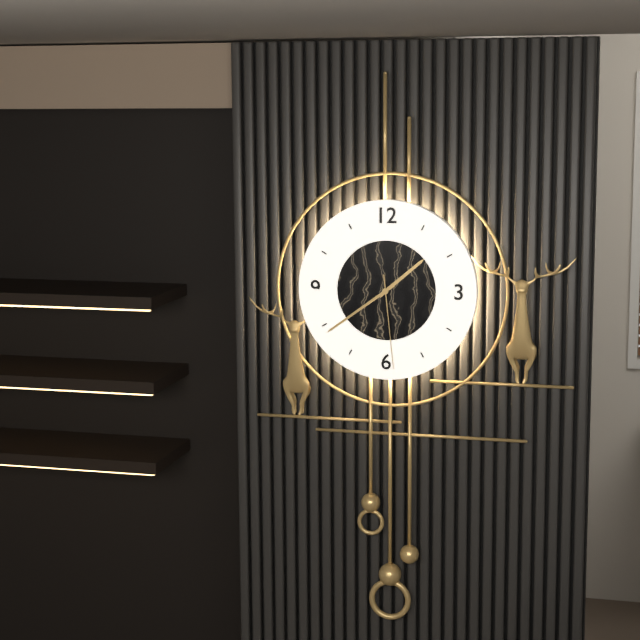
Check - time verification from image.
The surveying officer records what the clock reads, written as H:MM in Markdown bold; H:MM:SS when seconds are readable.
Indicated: **1:39:29**
